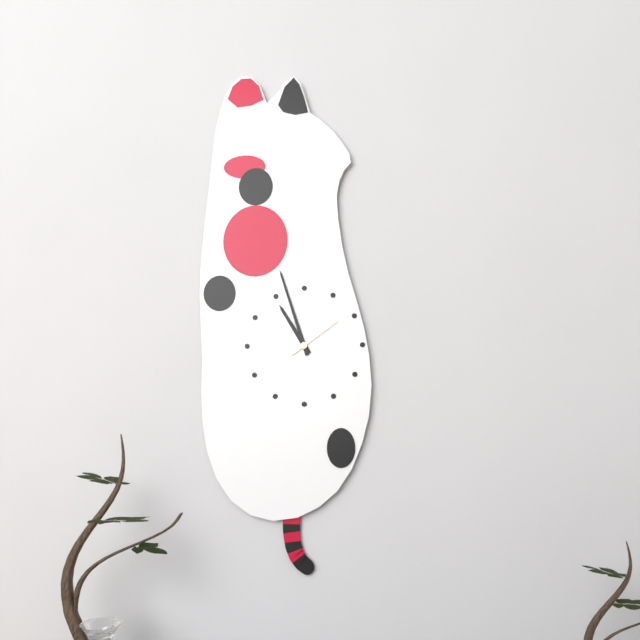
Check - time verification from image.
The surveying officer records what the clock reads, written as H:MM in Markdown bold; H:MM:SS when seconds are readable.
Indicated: **10:57:09**
